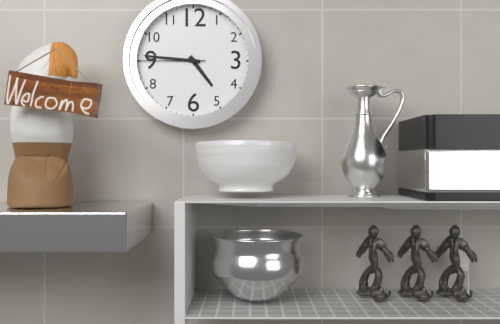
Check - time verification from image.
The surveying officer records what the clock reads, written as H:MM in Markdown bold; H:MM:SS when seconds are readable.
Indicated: **4:46:45**
